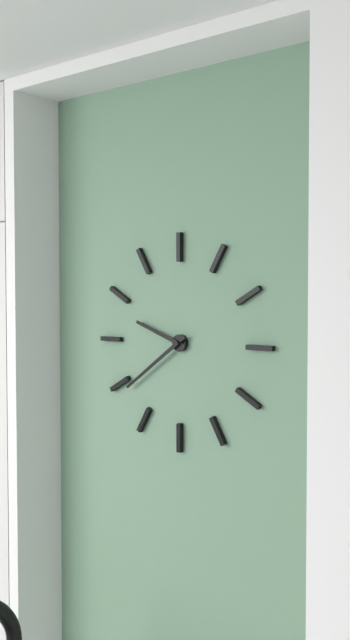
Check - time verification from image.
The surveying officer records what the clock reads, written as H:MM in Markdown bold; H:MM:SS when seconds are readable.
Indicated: **9:39**
